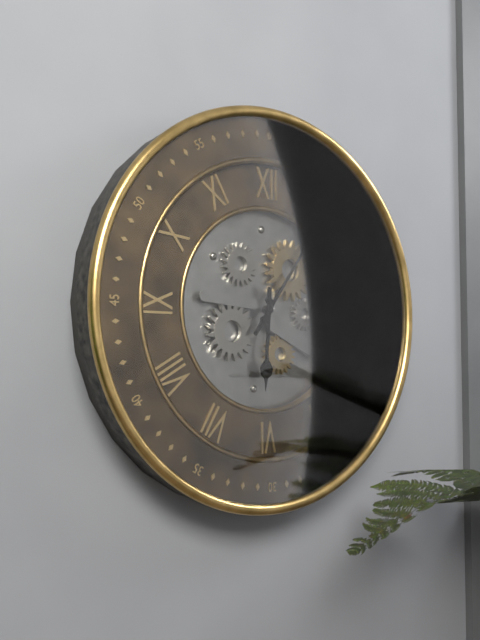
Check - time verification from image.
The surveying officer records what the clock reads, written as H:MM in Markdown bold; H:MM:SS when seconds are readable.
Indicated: **6:06**
